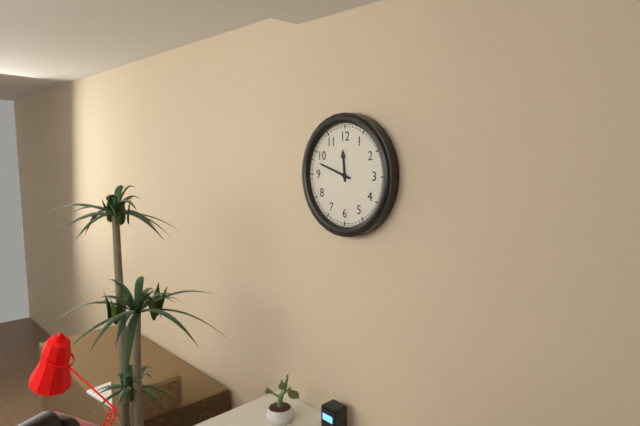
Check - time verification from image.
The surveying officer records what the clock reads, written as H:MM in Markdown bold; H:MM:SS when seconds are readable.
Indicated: **11:48**
